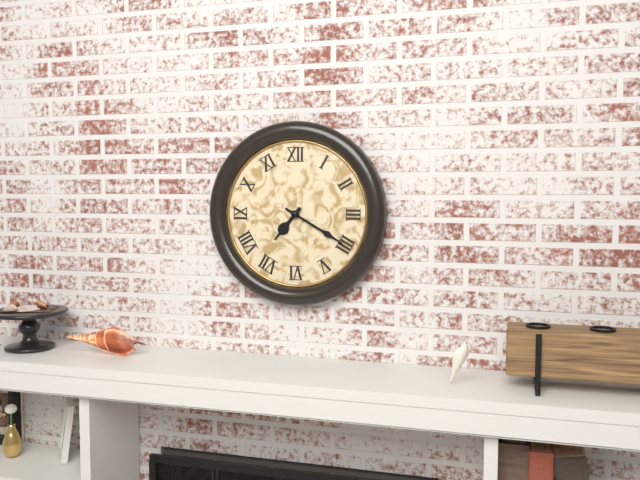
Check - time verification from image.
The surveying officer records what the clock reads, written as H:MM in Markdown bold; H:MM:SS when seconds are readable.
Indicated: **7:20**
